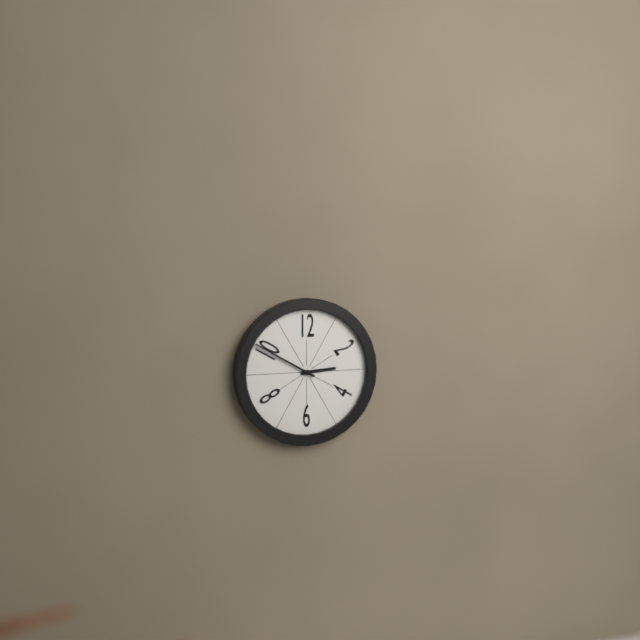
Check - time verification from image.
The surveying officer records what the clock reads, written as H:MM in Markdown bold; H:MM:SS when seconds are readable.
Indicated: **2:50**
